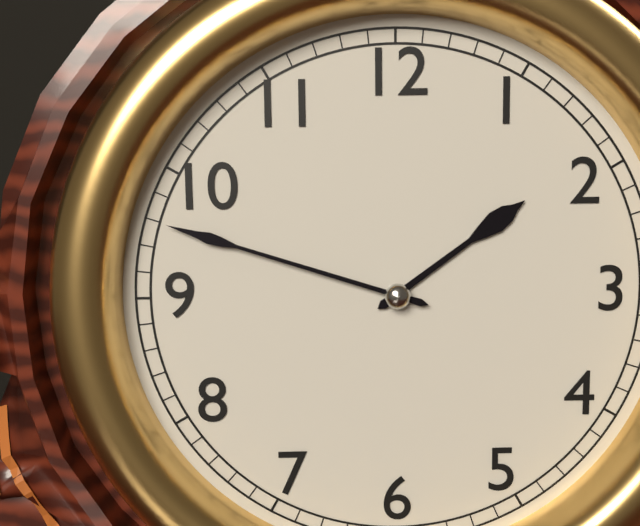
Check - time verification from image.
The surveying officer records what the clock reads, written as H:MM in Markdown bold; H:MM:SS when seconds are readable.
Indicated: **1:48**
